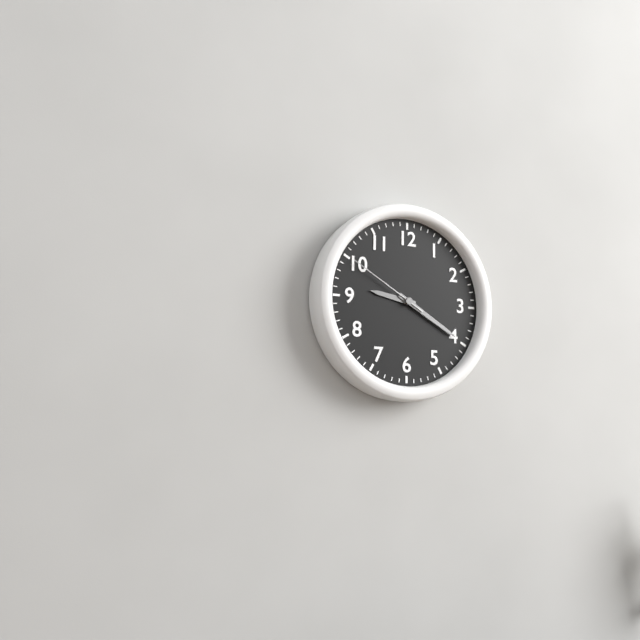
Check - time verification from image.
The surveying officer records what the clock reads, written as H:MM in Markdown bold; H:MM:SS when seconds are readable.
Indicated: **9:20:50**
